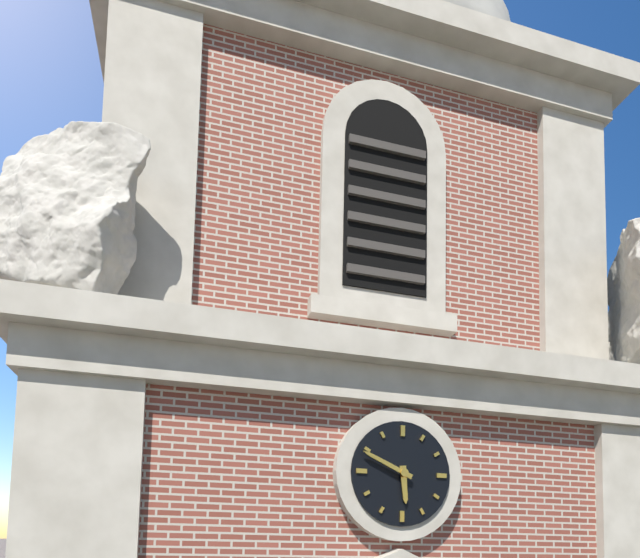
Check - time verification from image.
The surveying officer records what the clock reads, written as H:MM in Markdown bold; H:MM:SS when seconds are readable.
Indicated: **5:49**
